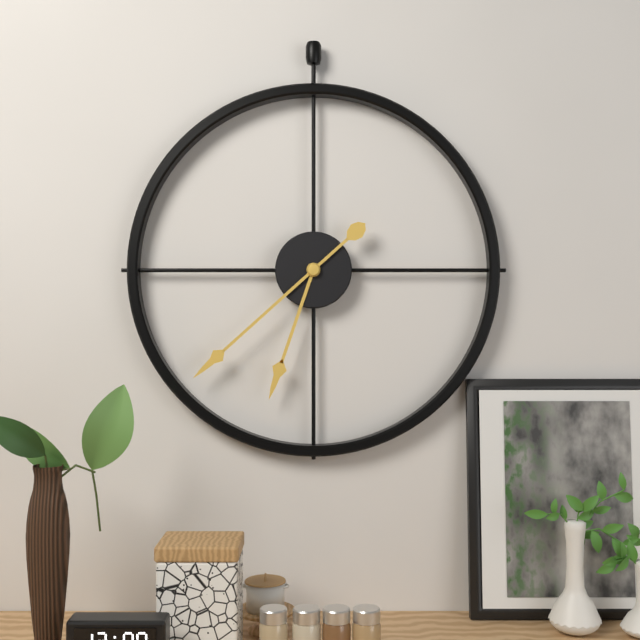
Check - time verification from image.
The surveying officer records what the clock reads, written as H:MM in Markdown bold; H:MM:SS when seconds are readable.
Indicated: **6:38**
